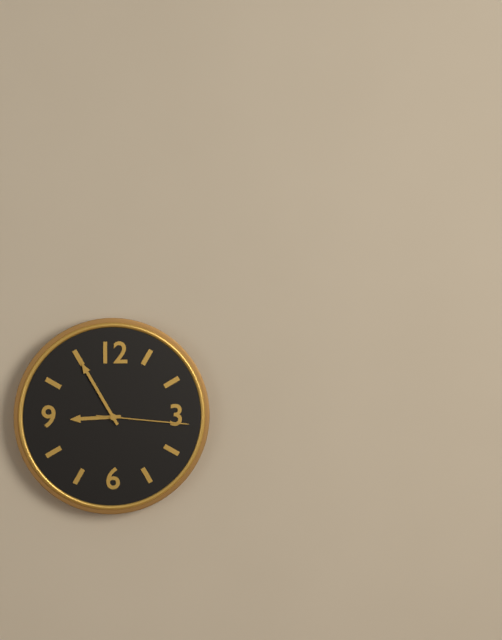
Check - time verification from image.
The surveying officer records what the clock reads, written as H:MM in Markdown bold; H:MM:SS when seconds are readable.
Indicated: **8:55:16**
